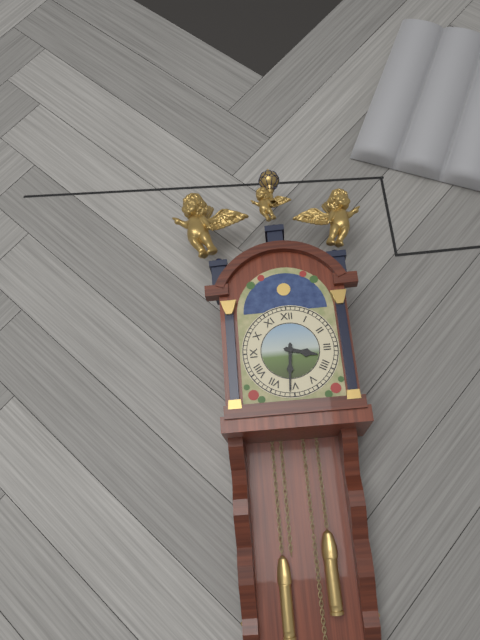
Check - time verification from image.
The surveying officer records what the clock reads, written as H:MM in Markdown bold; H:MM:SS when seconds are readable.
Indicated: **3:31**
